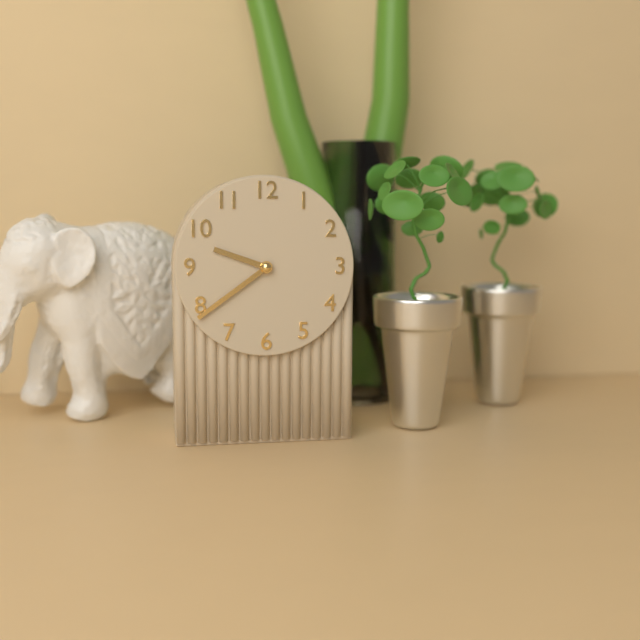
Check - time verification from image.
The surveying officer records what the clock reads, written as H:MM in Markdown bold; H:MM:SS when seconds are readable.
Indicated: **9:39**
